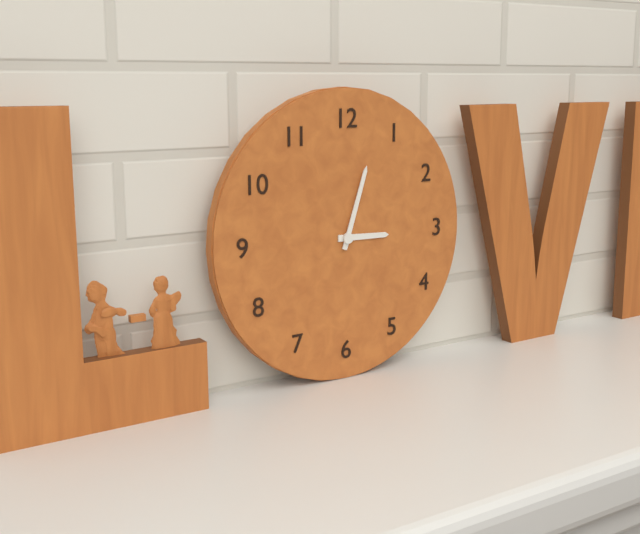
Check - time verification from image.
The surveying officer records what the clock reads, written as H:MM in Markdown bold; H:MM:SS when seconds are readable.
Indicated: **3:03**
